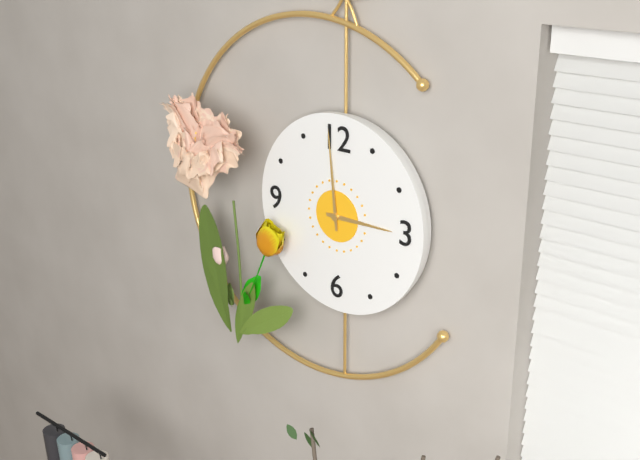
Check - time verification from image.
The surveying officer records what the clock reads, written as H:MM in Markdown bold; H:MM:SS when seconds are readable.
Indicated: **2:59**
